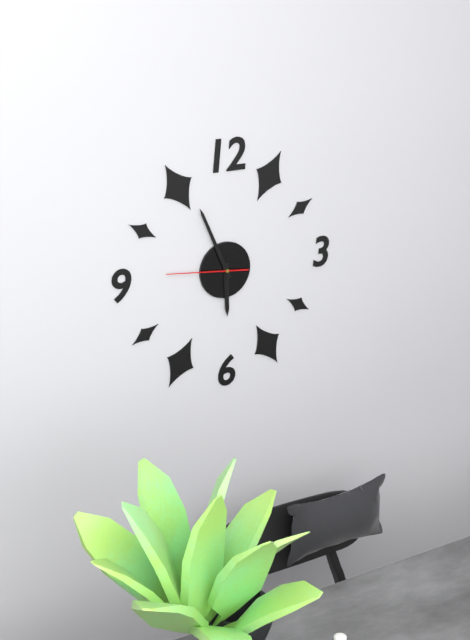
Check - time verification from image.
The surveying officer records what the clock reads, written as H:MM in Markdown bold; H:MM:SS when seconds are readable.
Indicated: **5:56:46**
